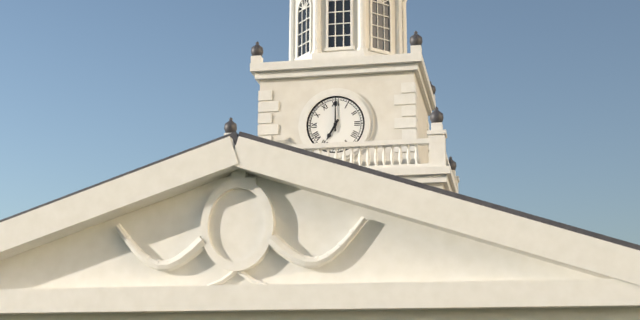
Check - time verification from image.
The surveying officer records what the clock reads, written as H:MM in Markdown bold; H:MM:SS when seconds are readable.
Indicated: **7:00**
